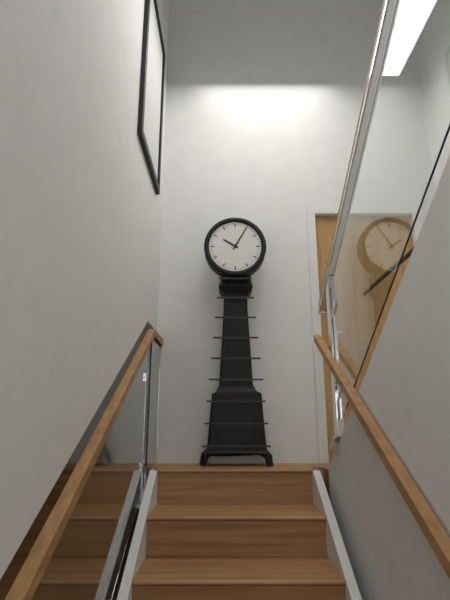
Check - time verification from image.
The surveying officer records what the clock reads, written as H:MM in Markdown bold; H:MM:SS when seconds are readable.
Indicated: **10:05**
